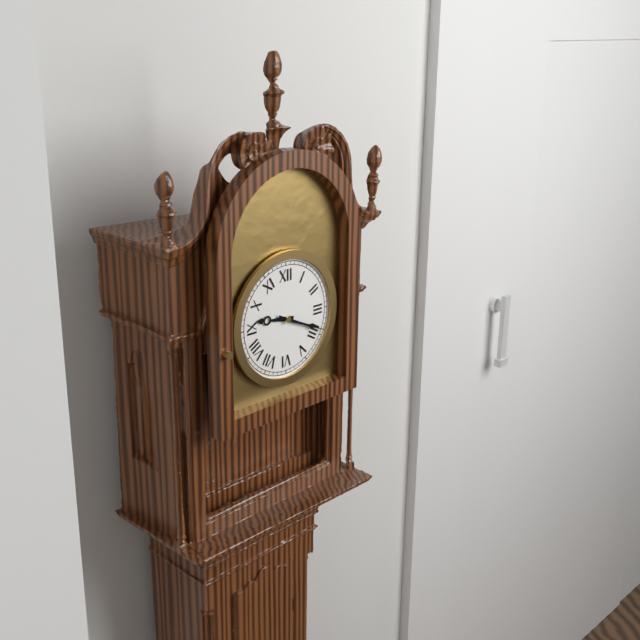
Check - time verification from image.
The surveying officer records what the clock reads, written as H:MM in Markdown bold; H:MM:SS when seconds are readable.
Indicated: **9:19**
